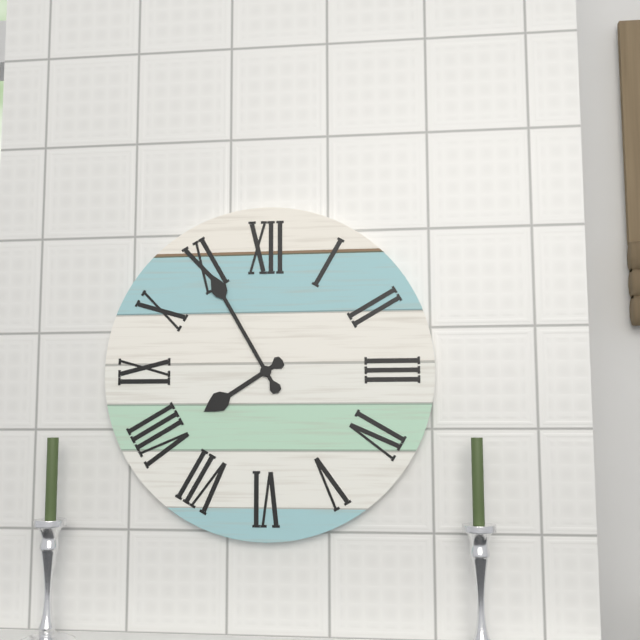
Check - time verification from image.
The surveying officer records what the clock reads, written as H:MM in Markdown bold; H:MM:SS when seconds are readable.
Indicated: **7:55**
